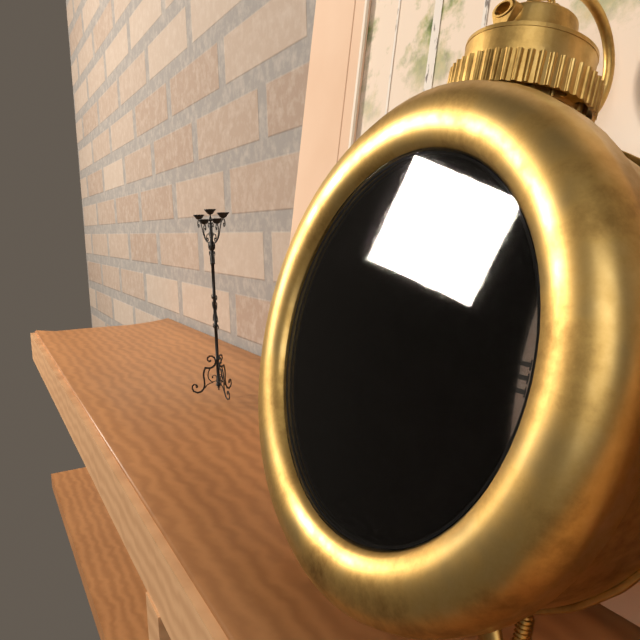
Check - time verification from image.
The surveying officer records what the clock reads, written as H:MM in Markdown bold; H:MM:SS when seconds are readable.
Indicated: **1:05:34**
